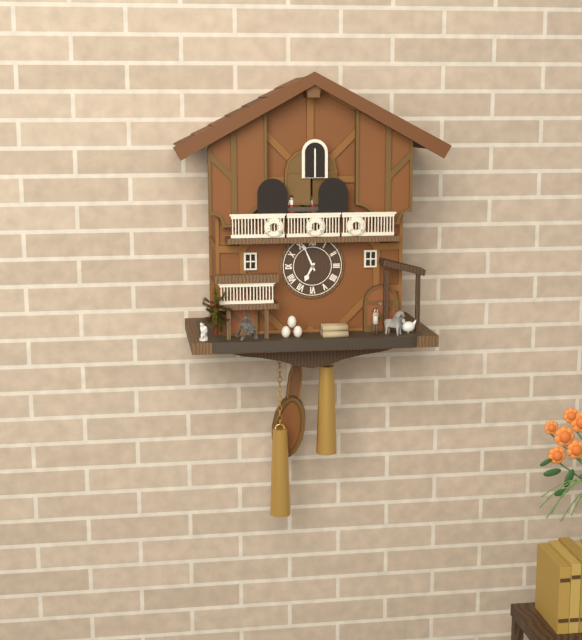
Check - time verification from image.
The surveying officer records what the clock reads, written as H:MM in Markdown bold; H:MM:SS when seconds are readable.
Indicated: **6:56**
